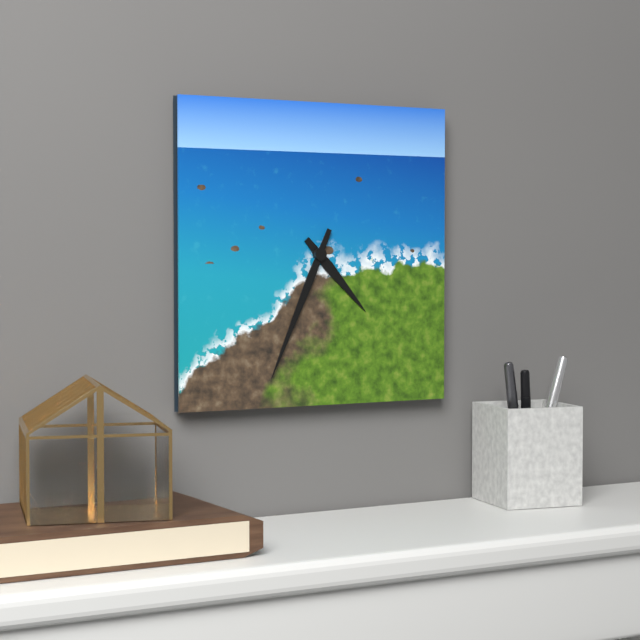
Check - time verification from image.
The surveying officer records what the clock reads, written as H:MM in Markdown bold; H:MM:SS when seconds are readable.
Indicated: **4:34**
